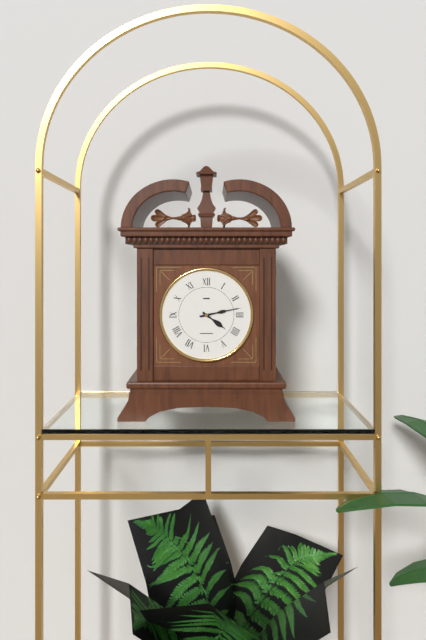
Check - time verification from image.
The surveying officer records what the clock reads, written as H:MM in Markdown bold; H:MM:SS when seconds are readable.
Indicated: **4:13**
